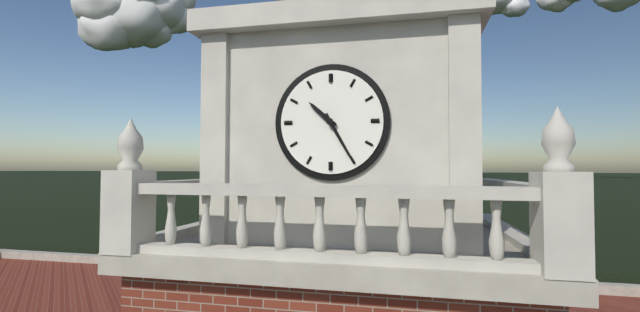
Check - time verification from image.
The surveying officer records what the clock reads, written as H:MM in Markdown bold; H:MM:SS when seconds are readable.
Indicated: **10:25**
